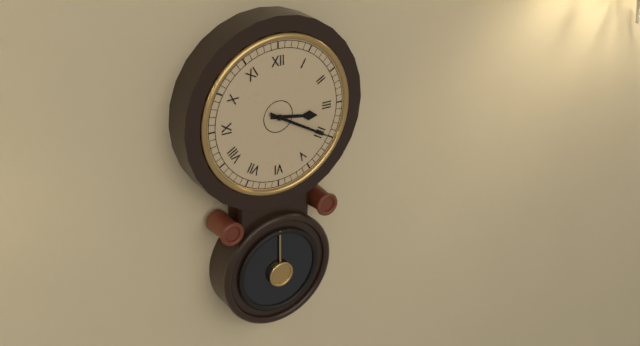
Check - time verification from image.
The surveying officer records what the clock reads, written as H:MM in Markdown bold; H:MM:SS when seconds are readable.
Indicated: **3:20**
